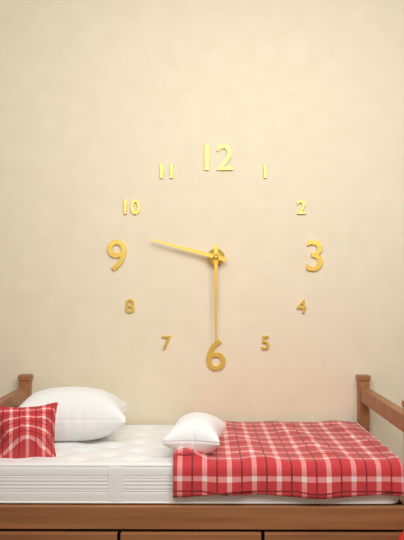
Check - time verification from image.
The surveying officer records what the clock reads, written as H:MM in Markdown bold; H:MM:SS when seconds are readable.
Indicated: **9:30**
